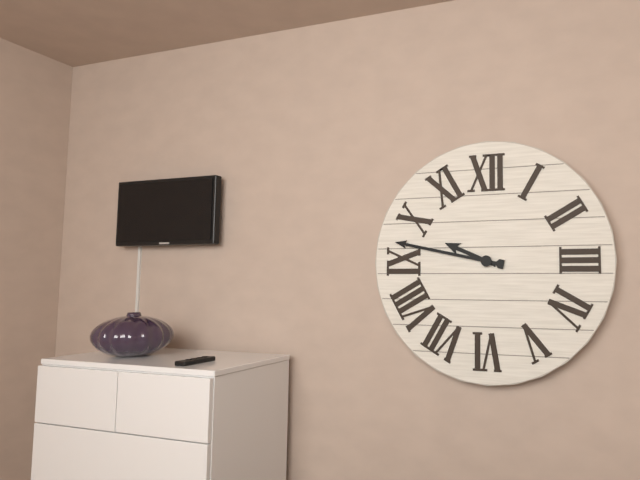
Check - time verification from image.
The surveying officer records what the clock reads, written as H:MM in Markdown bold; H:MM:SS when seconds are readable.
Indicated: **9:47**
